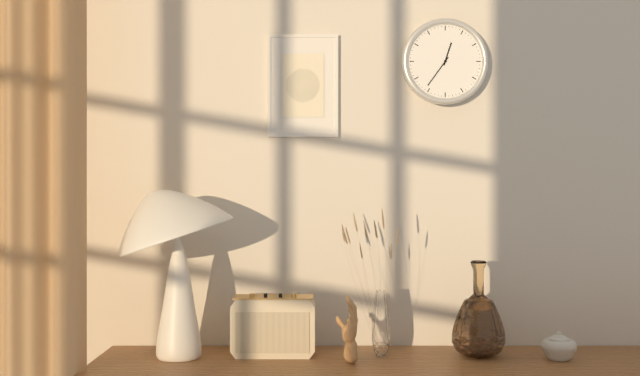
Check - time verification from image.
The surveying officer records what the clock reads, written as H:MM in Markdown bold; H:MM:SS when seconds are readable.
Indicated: **12:36**
